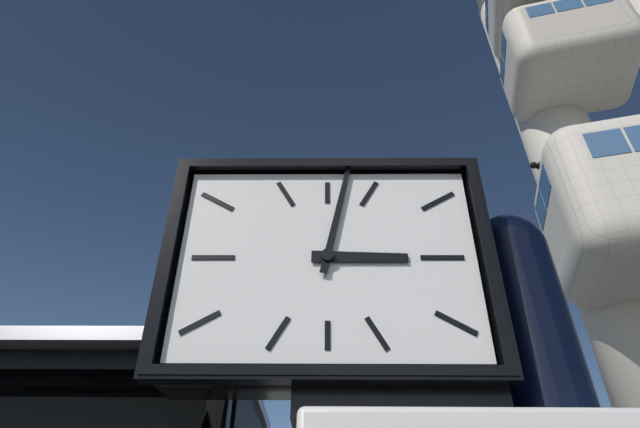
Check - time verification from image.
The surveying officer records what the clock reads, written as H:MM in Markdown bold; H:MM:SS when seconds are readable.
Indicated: **3:02**
